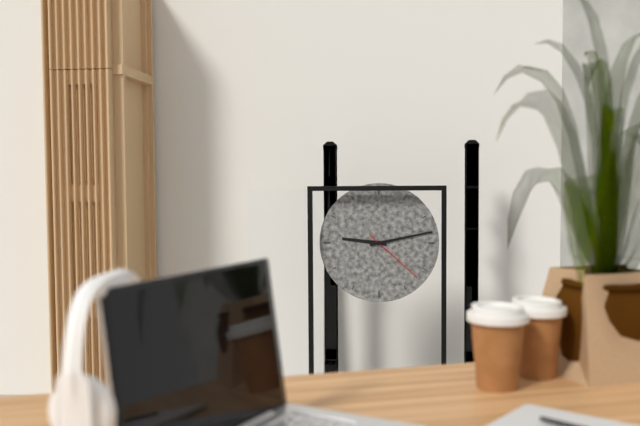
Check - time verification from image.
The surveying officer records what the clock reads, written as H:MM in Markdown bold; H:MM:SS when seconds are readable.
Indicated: **9:13:22**
